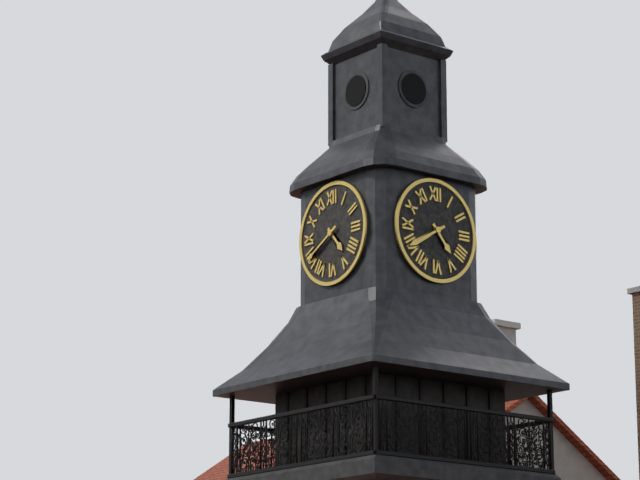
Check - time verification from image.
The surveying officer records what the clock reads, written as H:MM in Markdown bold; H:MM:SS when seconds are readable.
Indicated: **4:40**
